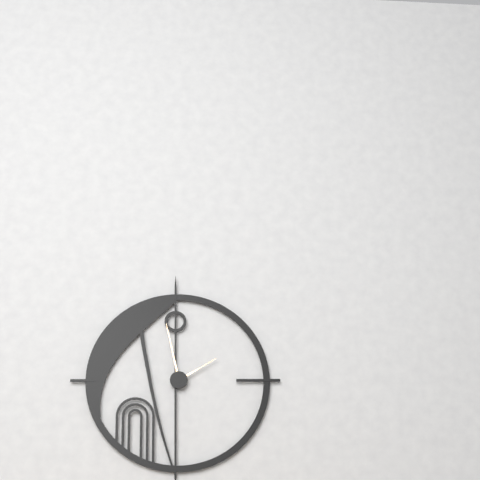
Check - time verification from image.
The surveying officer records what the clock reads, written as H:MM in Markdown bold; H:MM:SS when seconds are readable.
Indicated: **1:58**
